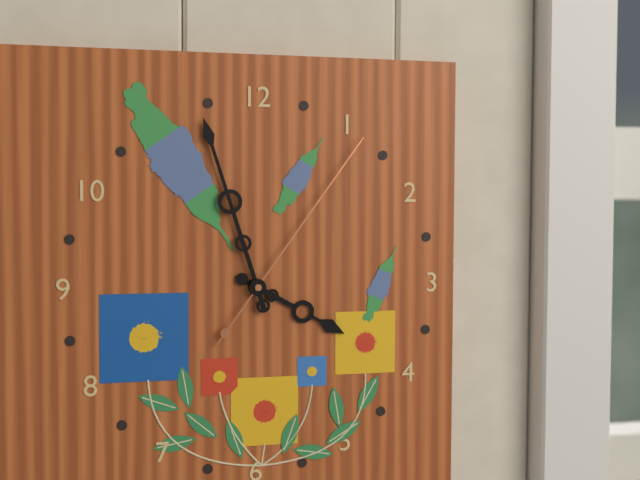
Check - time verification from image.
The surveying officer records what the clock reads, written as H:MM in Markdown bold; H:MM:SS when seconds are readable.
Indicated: **3:57:06**
